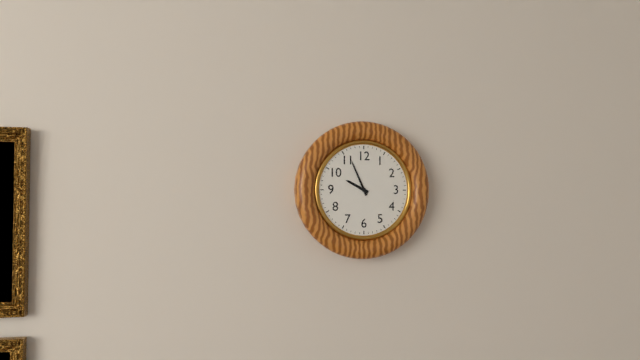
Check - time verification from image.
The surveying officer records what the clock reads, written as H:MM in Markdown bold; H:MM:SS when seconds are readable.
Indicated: **9:56**
